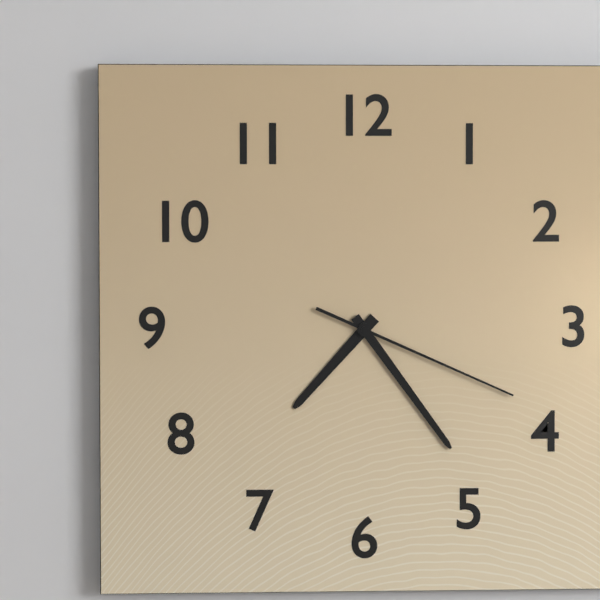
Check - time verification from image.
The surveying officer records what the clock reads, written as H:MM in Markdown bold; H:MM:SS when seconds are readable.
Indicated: **7:24:19**
